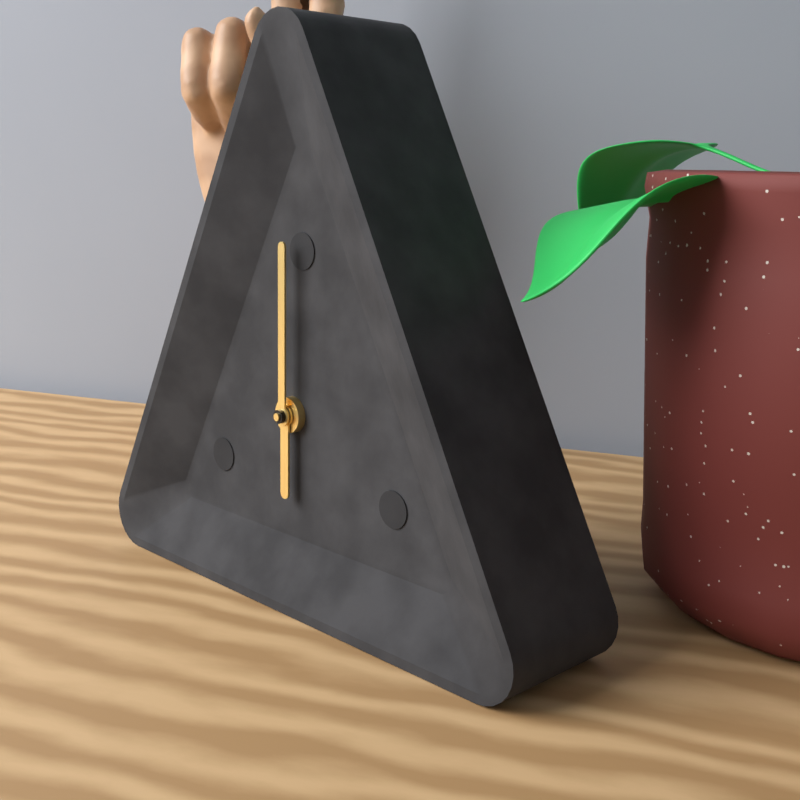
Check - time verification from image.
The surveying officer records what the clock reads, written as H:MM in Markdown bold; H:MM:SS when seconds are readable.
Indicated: **6:00**
